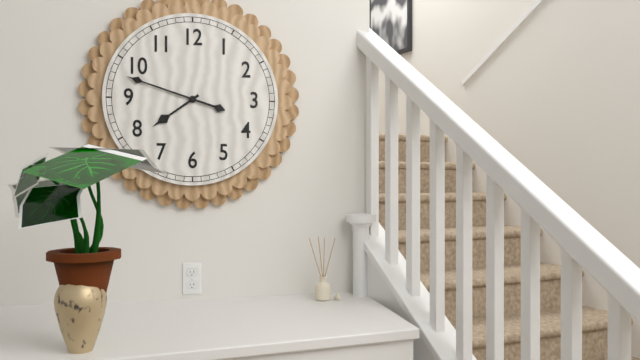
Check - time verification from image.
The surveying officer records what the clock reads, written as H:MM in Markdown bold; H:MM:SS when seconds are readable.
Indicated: **7:48**
